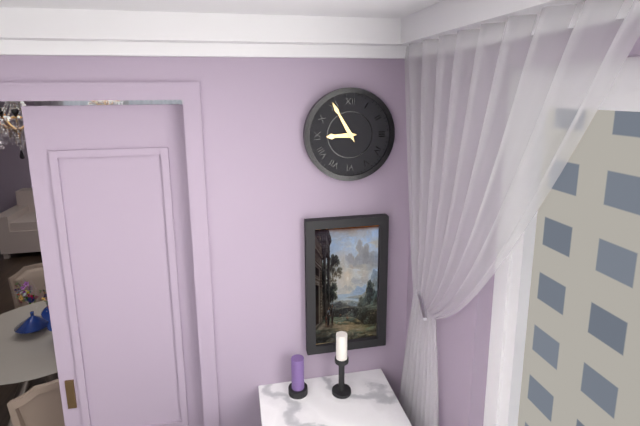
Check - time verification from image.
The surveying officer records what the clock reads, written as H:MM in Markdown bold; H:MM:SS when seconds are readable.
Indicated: **8:55**
